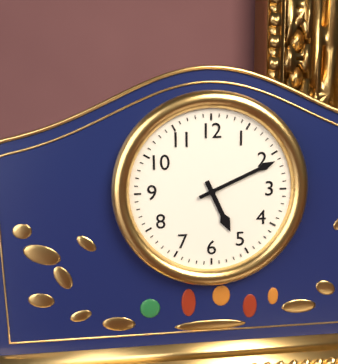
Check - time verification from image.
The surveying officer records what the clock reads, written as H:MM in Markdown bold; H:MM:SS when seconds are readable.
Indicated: **5:11**
